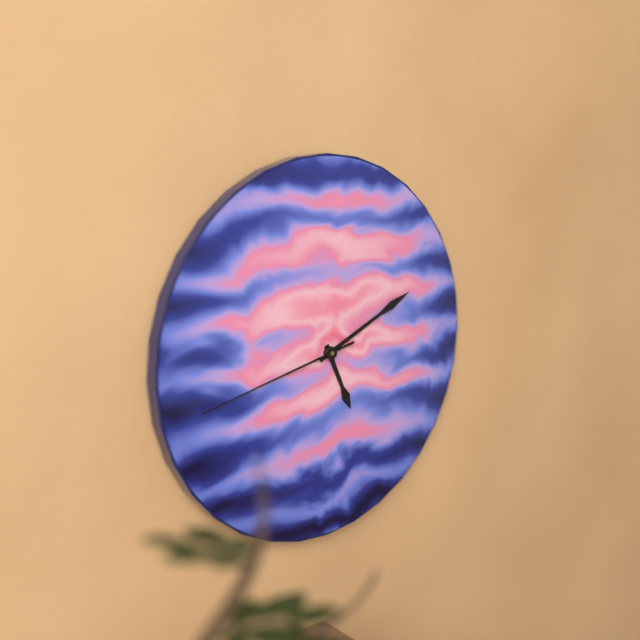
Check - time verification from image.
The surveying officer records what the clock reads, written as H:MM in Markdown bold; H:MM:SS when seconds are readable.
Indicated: **5:11:43**
